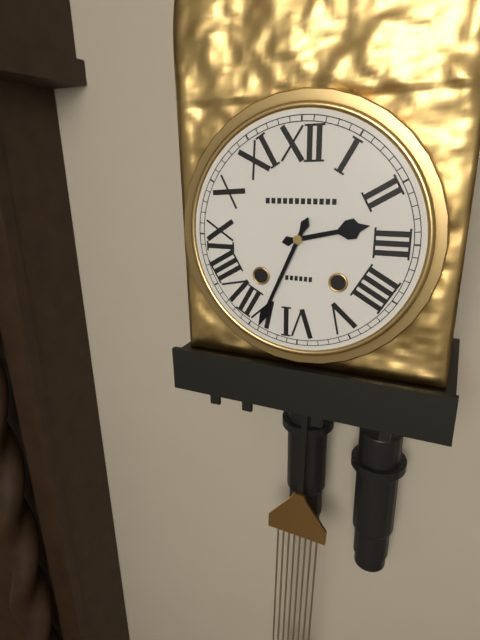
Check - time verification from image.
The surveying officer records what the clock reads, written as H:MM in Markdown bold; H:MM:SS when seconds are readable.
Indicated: **2:34**
